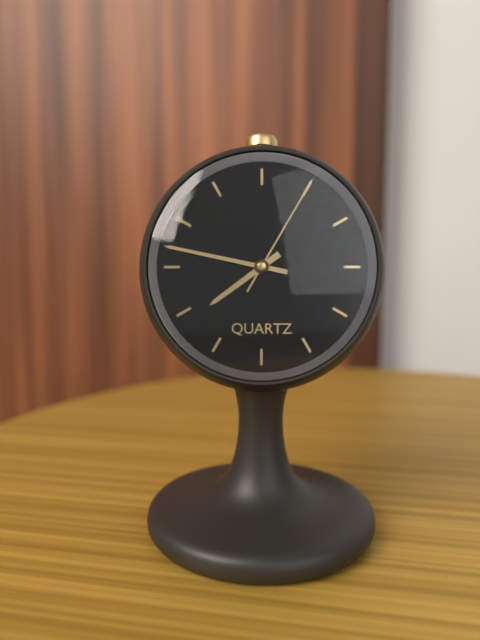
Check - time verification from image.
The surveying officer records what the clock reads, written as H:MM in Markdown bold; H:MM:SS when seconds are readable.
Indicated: **7:47:05**
